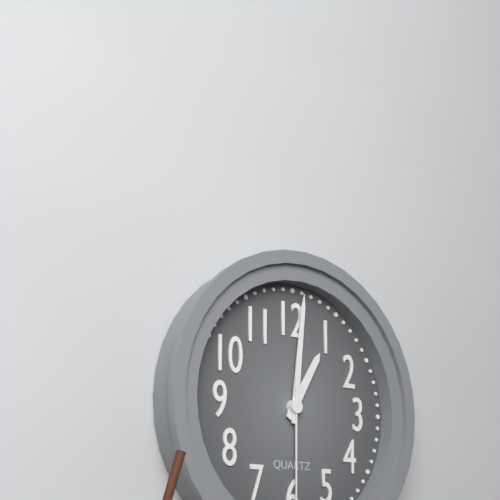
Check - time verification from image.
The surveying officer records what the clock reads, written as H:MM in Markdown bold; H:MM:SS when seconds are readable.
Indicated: **1:01**
